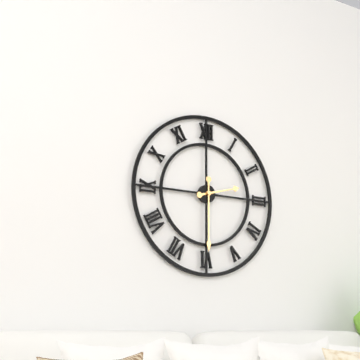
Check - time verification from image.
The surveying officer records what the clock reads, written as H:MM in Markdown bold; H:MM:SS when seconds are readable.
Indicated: **2:30**
